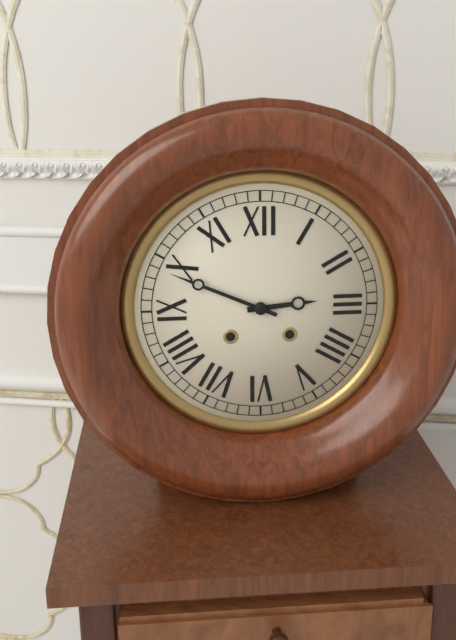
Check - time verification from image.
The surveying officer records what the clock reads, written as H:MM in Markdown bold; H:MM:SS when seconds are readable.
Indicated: **2:49**
